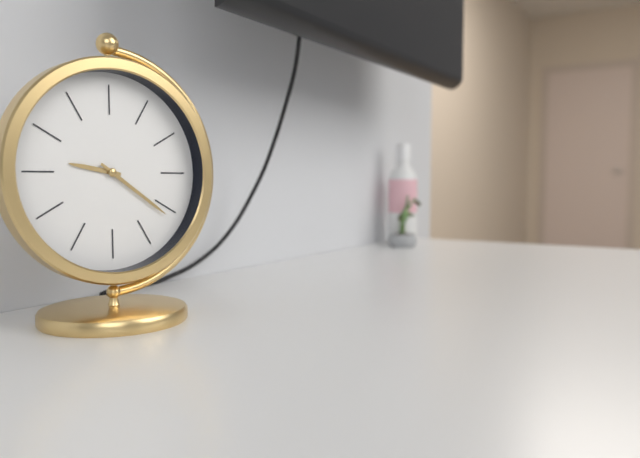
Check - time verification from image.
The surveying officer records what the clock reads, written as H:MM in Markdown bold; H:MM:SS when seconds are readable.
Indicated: **9:21**
